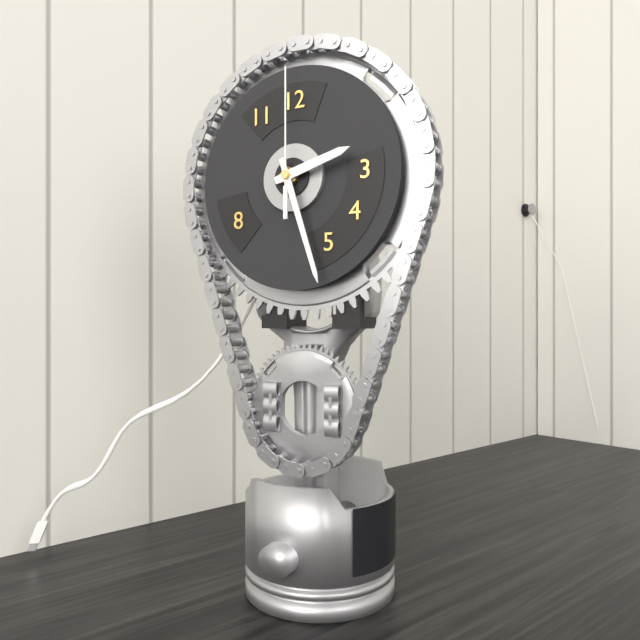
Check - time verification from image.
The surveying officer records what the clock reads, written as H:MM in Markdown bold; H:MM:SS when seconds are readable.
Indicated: **2:27:00**
